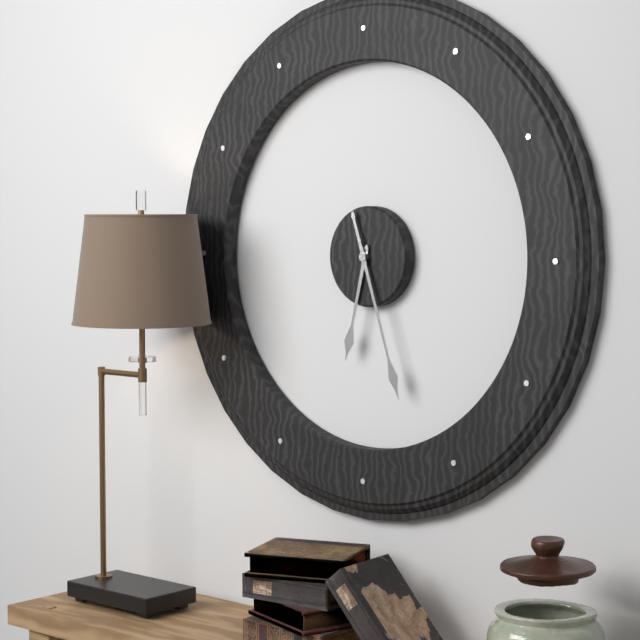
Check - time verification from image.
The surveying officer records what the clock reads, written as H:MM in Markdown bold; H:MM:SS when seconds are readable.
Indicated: **6:27**
